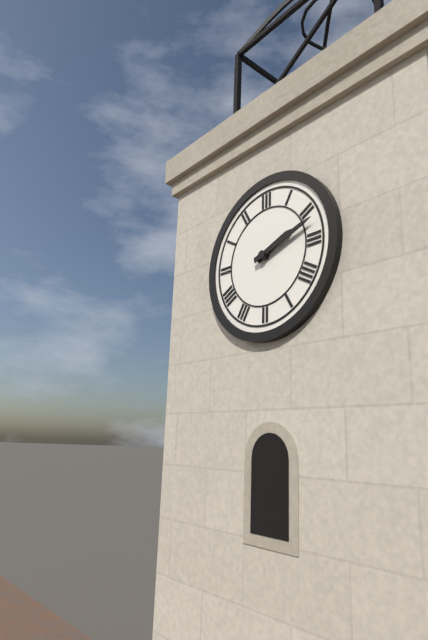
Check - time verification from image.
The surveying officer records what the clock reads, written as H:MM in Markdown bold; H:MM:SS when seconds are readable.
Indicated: **2:12**
